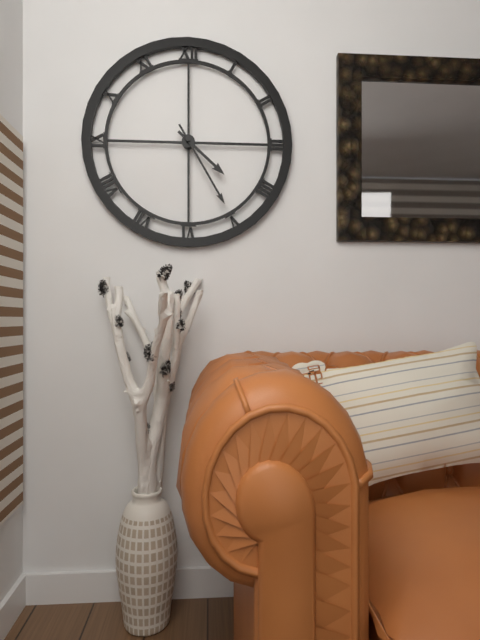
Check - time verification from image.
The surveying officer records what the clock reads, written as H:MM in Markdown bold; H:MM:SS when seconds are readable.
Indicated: **4:25**
